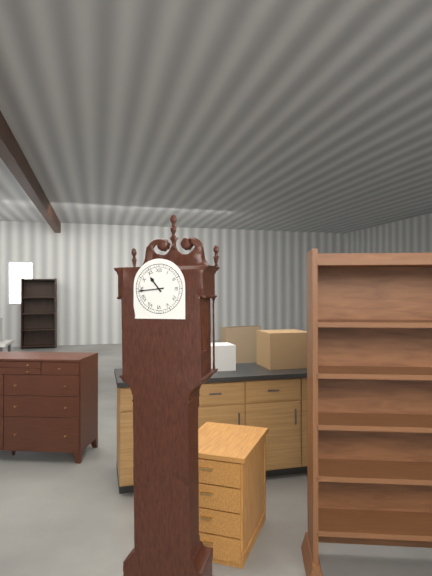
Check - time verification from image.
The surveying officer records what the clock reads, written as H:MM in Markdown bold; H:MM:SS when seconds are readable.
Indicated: **10:44**
